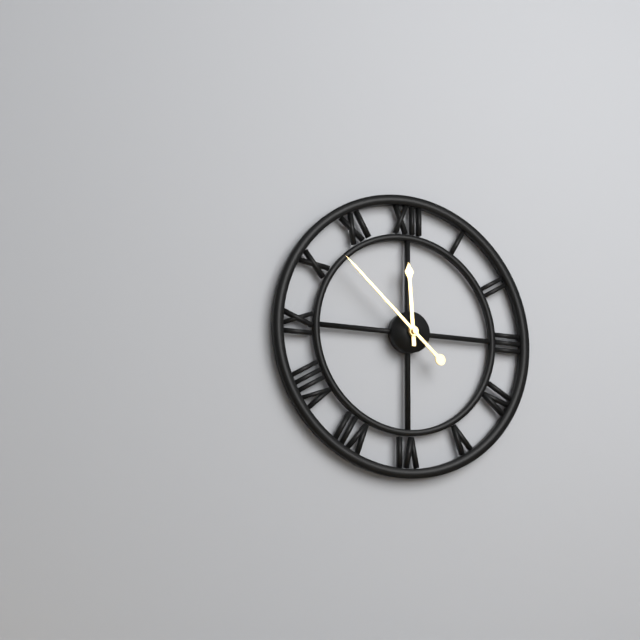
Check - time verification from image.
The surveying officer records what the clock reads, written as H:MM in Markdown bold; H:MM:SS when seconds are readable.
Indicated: **11:52**
